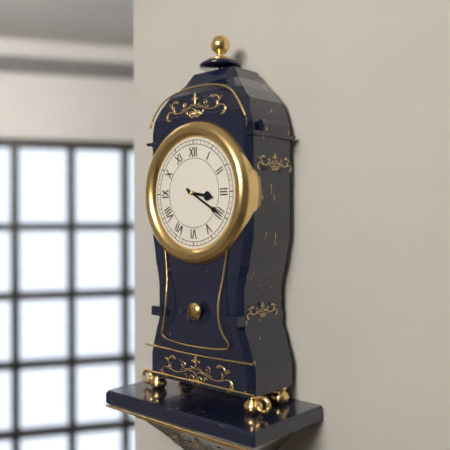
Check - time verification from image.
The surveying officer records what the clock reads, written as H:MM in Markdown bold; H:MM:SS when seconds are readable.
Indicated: **3:20**
